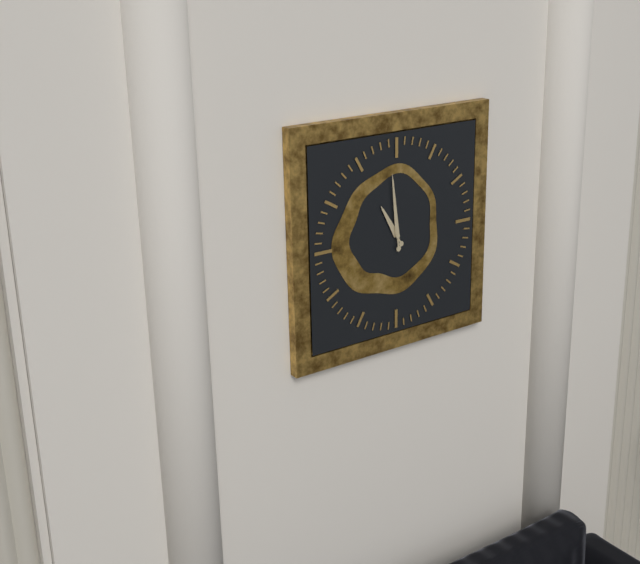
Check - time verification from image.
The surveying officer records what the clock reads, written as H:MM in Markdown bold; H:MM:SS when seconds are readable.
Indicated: **10:59**
